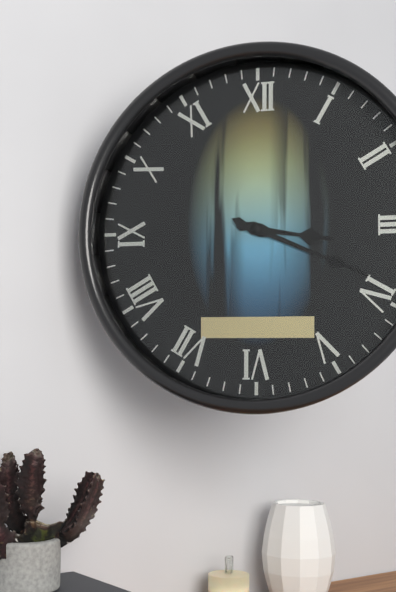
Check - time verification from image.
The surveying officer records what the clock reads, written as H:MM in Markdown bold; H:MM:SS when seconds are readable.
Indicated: **3:19**
